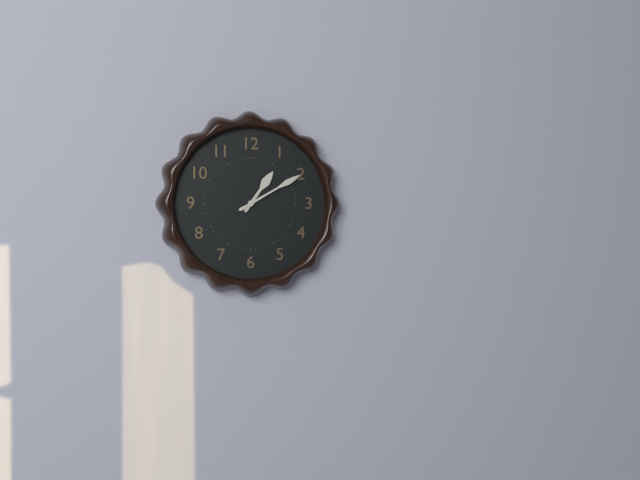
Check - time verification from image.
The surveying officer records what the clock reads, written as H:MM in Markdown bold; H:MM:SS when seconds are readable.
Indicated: **1:10**
